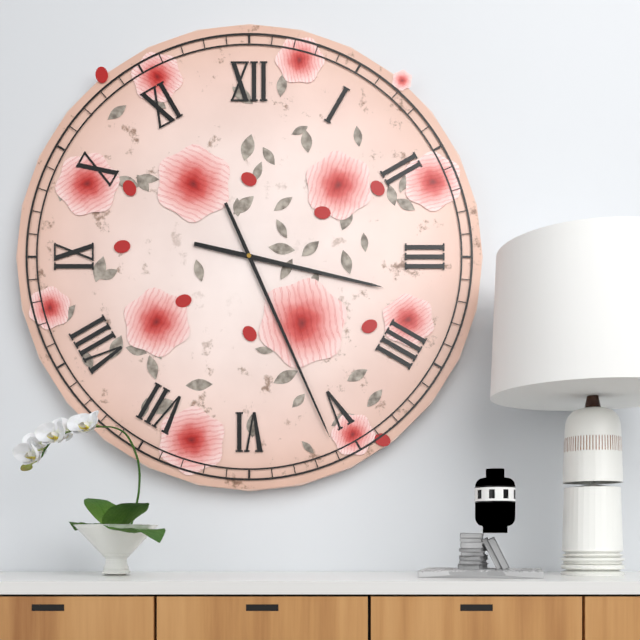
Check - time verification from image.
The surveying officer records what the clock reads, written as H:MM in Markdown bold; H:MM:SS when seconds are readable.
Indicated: **3:26**
